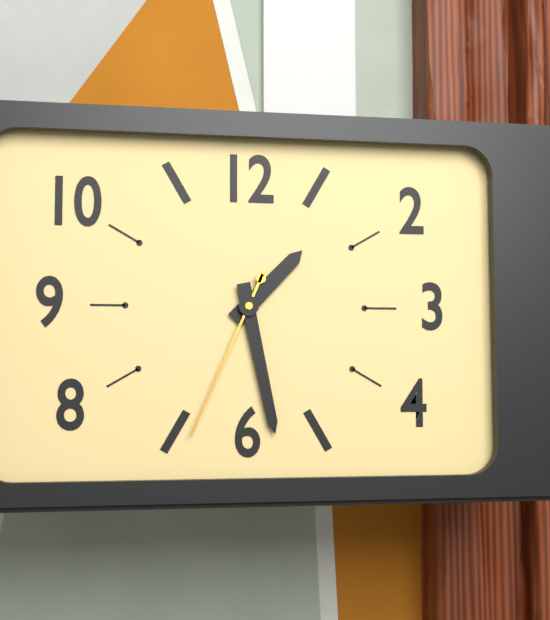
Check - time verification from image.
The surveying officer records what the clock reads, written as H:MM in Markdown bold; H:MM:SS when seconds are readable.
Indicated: **1:28:34**
